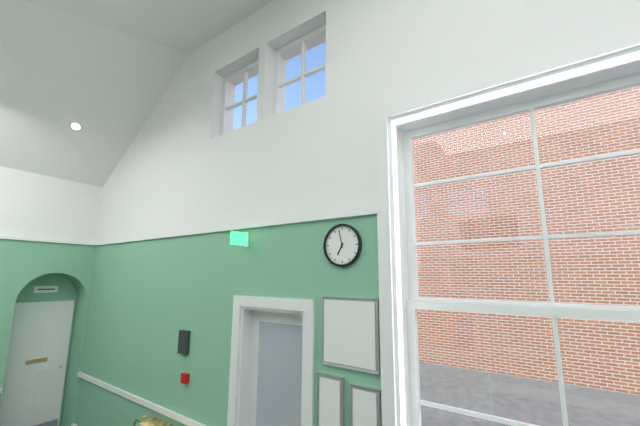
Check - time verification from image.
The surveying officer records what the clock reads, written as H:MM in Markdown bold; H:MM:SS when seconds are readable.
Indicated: **6:58**
